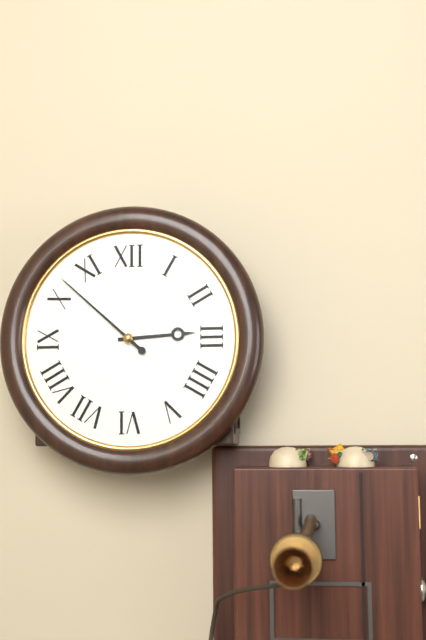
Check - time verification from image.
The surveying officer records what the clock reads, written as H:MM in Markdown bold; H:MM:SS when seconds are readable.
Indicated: **2:52**
